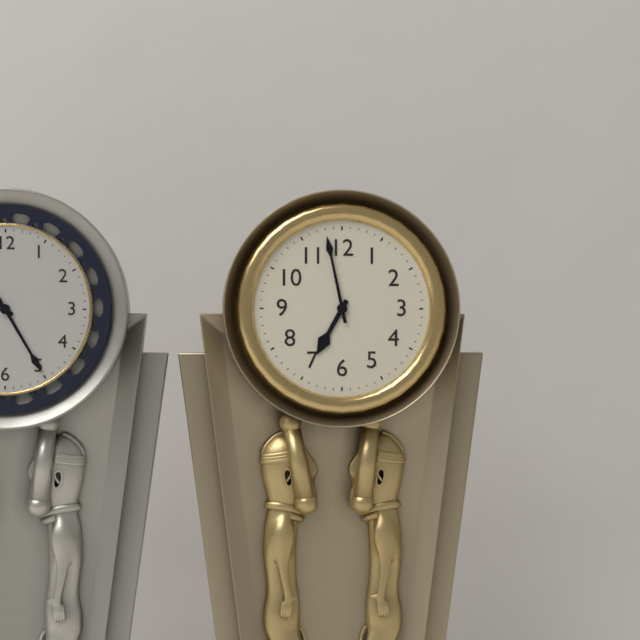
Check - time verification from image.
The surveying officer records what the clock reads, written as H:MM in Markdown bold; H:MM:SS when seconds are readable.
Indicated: **6:58**
